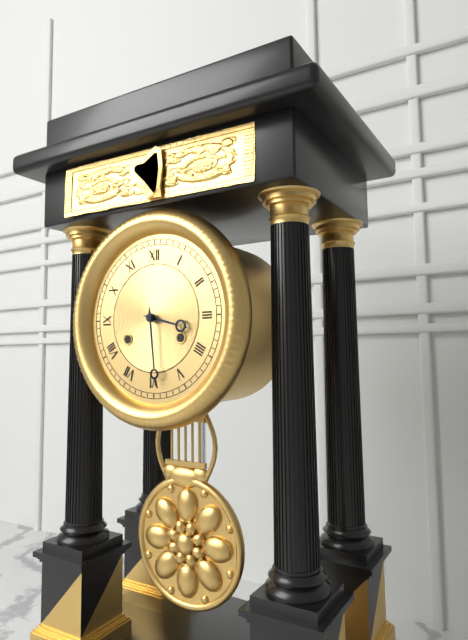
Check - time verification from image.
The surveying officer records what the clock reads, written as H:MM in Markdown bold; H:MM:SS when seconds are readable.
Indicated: **3:29**
